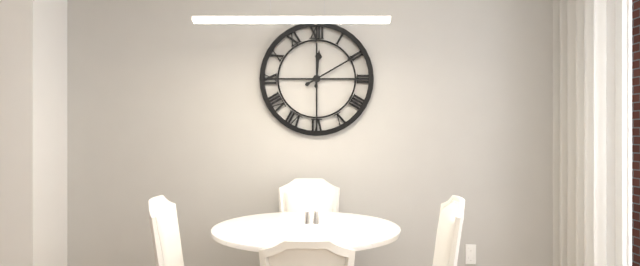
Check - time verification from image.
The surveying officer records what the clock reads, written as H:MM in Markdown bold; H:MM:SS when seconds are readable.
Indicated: **12:10**
